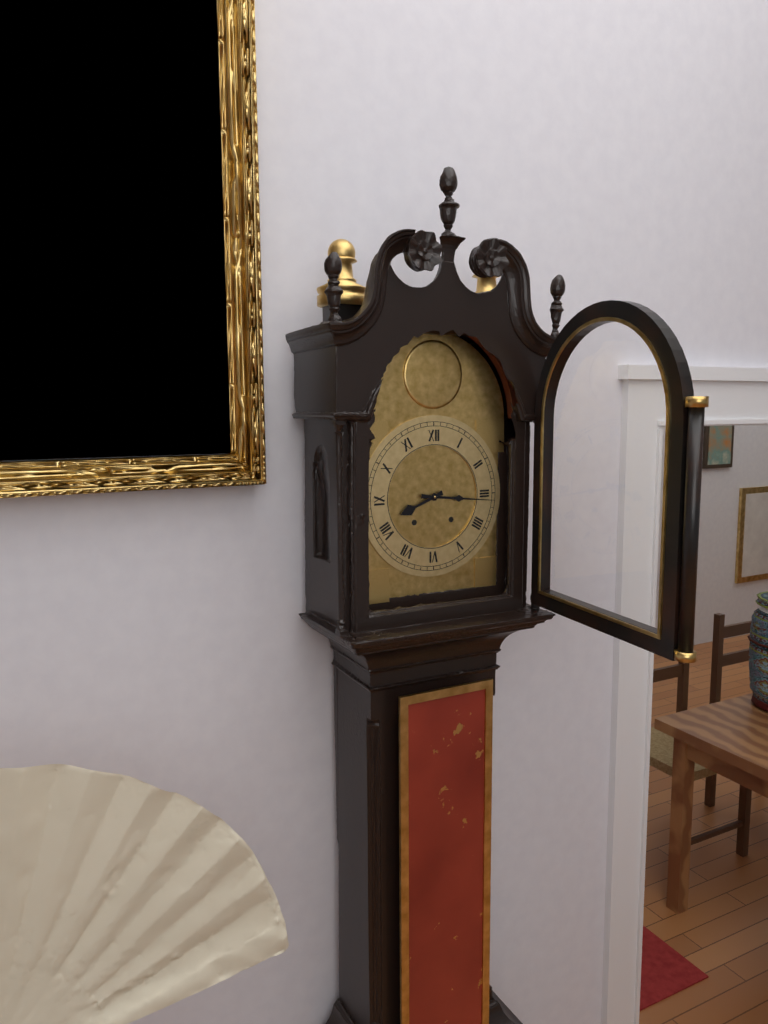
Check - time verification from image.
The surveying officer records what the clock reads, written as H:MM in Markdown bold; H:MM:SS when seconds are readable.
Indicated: **8:16**
